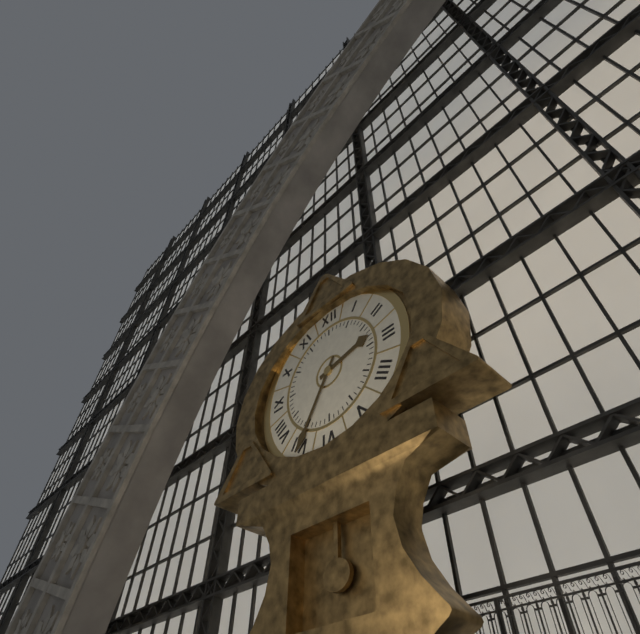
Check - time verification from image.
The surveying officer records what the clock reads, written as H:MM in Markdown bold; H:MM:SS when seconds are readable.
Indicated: **2:35**
